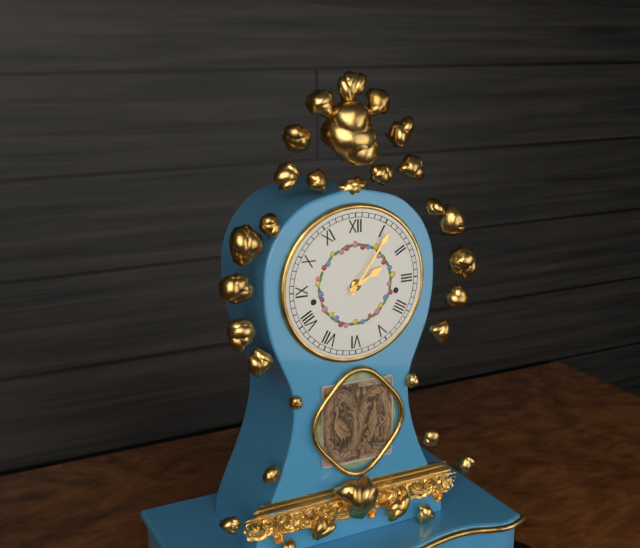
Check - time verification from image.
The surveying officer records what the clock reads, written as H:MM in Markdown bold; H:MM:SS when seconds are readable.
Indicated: **2:06**
